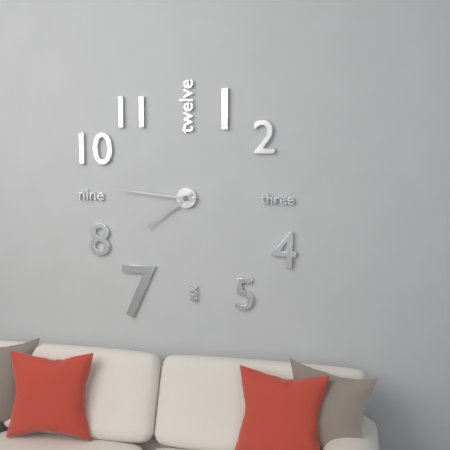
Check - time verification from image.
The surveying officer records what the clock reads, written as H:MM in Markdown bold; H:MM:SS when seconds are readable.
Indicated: **7:46**
